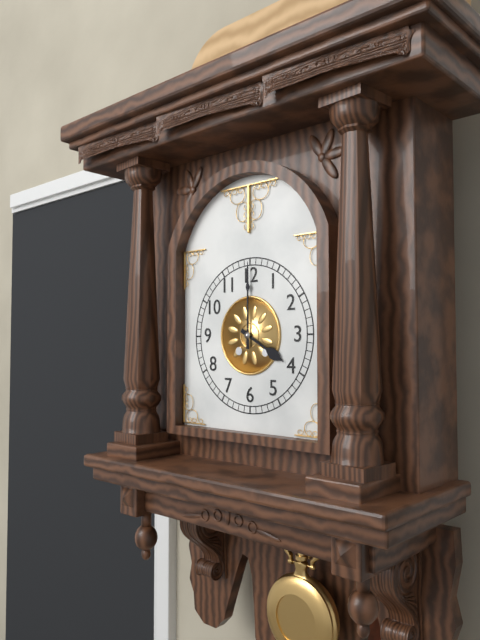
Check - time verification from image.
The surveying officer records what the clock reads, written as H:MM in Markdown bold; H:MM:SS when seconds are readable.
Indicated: **4:00**
